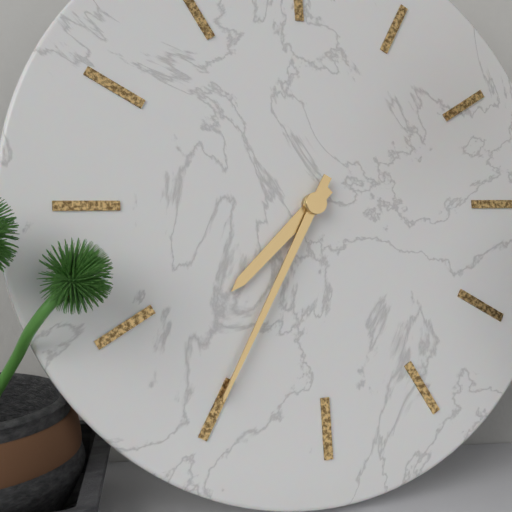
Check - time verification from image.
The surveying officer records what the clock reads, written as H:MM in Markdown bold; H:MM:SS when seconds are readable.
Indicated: **7:35**
